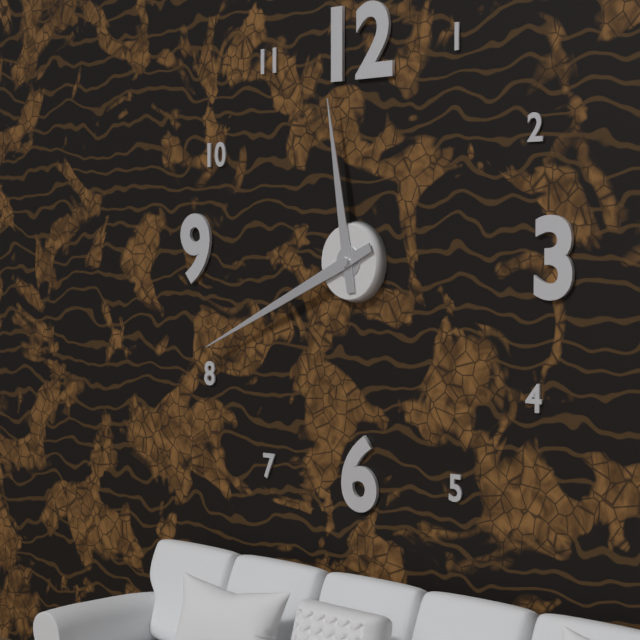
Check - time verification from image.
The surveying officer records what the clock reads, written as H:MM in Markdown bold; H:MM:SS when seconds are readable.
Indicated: **11:41**
